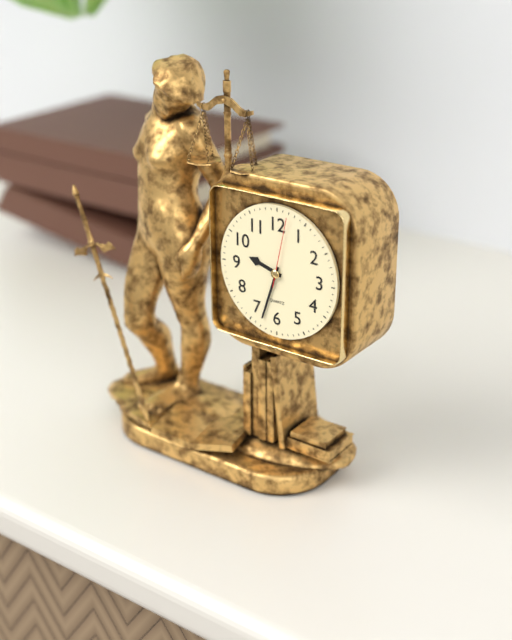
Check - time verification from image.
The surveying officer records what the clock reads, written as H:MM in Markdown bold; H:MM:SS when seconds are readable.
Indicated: **9:33:02**
